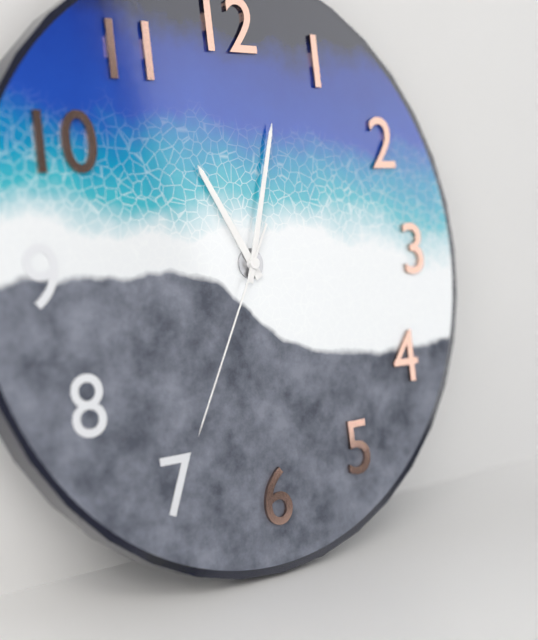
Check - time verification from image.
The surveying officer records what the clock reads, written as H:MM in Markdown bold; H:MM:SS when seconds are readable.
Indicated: **11:03:35**
